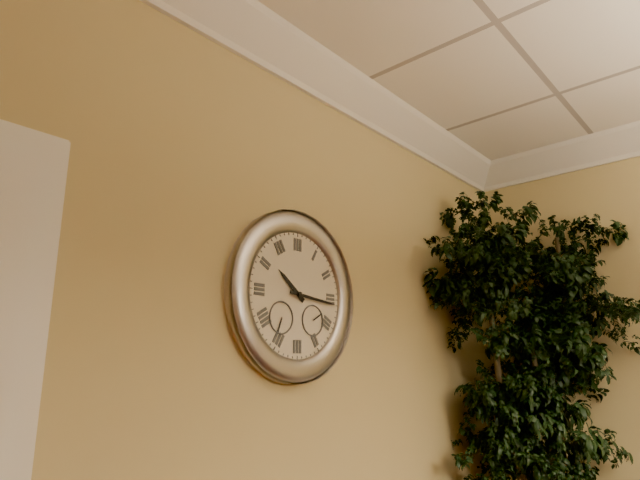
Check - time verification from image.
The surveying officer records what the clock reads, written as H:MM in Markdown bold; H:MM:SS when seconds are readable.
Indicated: **10:16**
